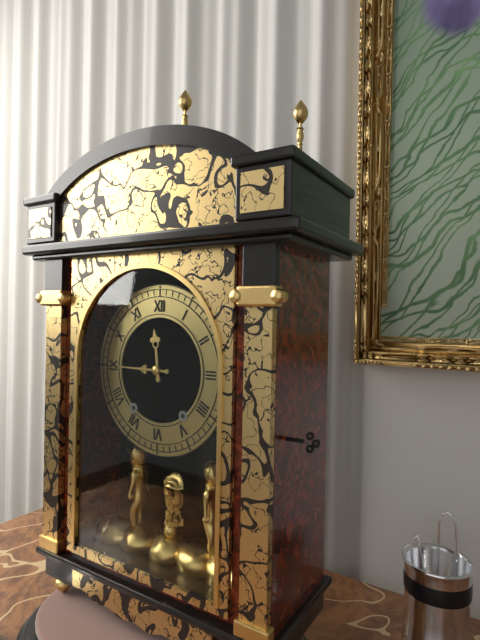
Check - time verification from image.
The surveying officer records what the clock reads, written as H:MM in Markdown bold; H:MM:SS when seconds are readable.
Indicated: **11:45**
